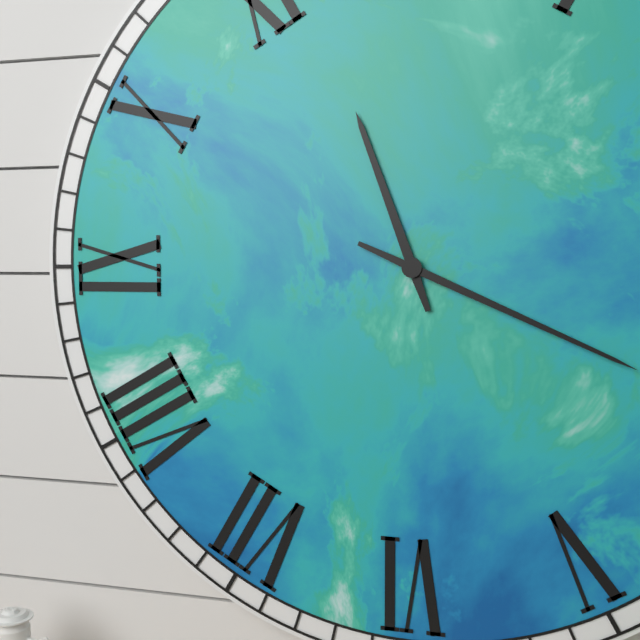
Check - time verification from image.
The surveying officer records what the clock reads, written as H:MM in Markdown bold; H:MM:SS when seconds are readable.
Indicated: **11:19**
